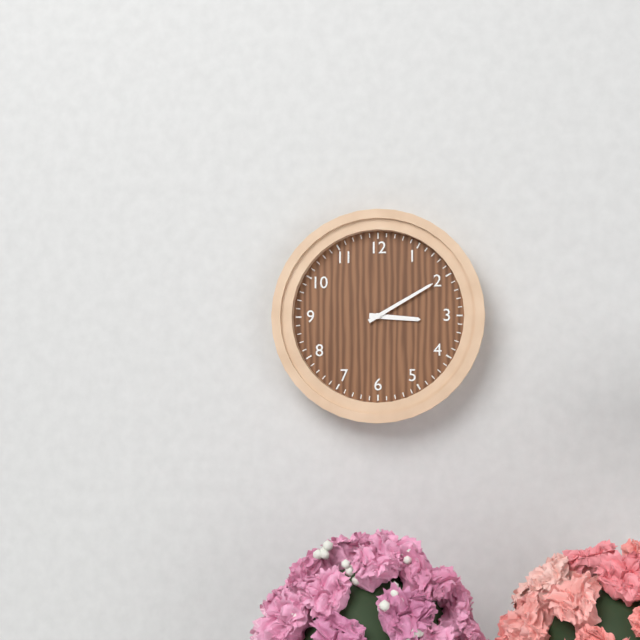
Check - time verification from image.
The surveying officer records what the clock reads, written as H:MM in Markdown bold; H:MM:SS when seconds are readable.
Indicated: **3:10**
